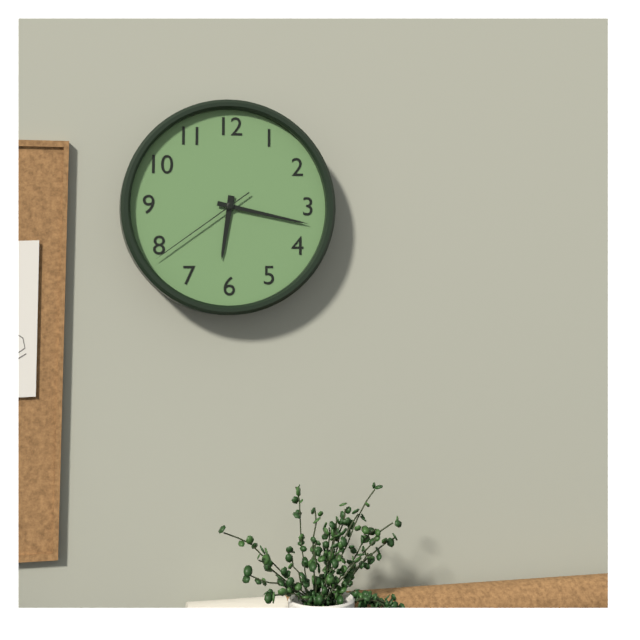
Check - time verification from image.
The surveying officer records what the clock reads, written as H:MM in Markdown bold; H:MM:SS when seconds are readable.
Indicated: **6:17:39**
